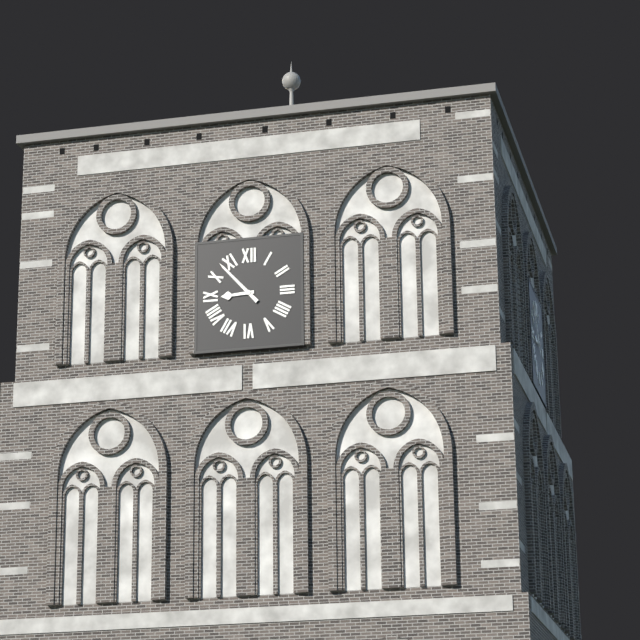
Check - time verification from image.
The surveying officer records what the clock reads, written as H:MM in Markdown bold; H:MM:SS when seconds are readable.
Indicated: **8:53**
